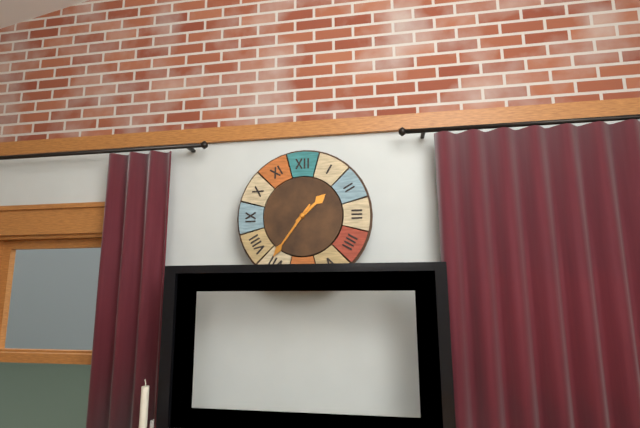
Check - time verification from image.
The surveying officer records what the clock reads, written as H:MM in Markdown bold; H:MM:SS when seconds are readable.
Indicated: **1:36**
